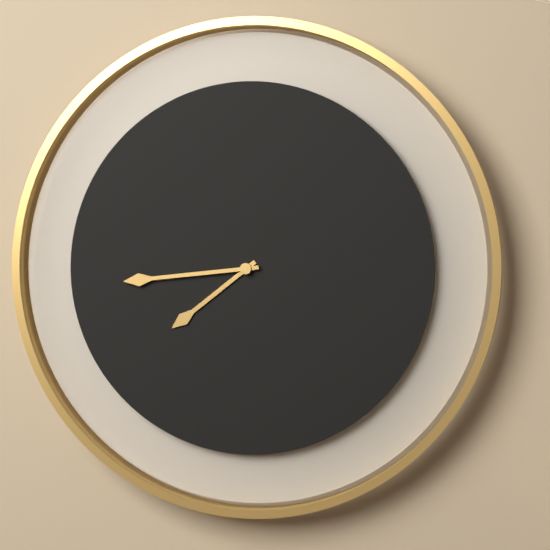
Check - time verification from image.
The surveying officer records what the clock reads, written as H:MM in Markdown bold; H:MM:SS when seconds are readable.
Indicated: **7:44**
